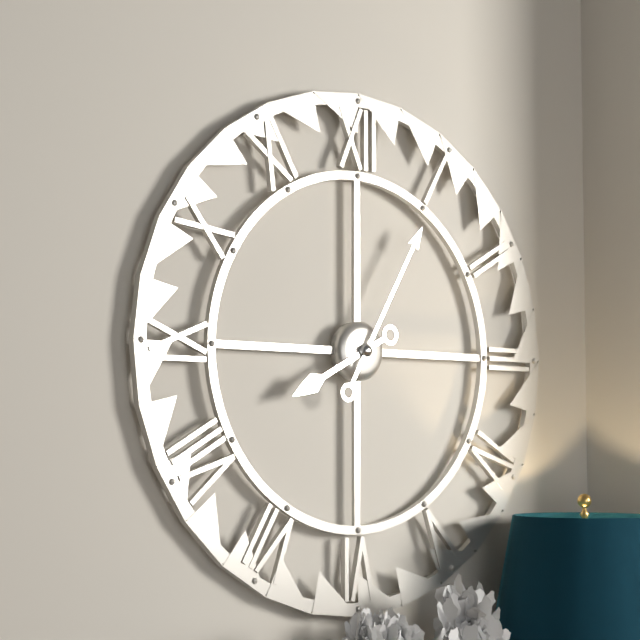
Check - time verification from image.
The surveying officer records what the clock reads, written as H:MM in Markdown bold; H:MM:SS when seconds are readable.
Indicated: **8:05**
